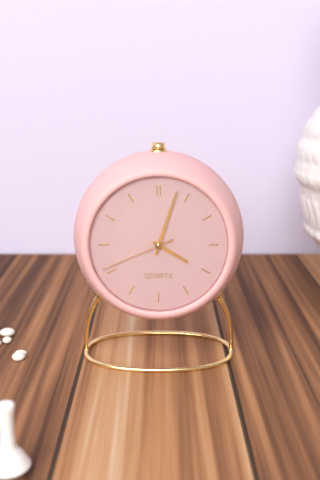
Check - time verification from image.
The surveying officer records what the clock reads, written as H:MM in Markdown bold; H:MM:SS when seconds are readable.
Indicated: **4:03:41**
